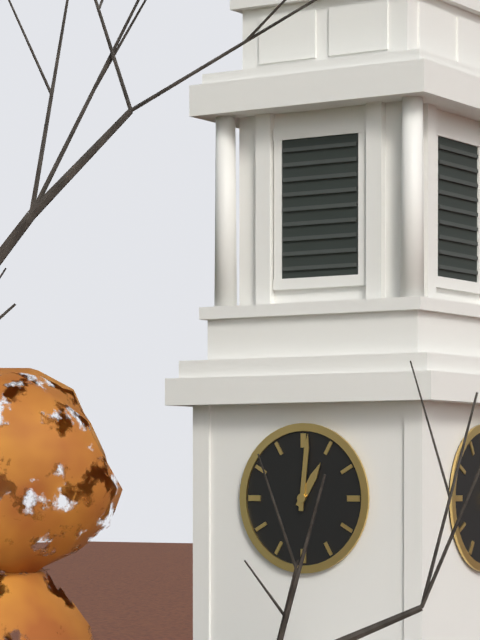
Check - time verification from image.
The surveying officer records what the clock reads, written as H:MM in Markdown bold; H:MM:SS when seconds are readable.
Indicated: **1:01**
